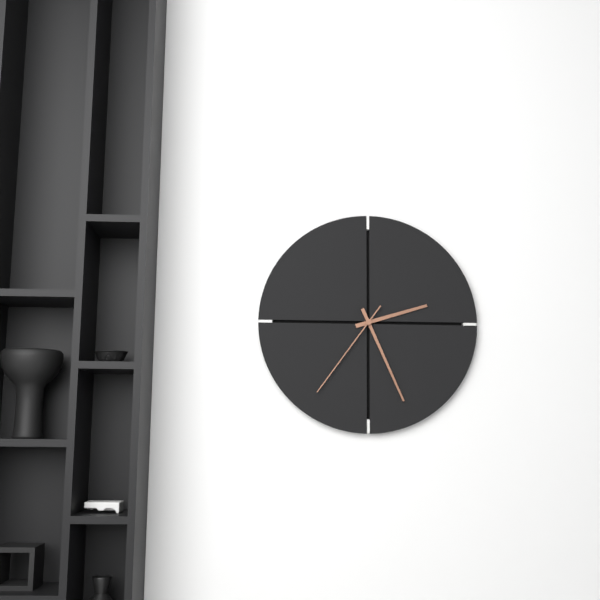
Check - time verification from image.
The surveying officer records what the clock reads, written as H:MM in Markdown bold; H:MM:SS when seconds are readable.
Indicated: **2:26:36**
